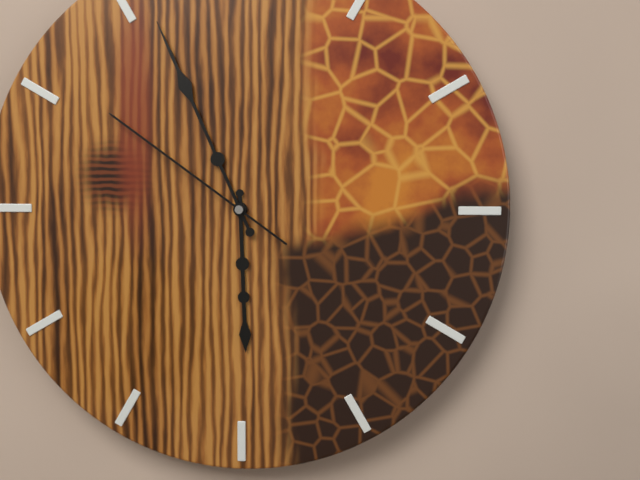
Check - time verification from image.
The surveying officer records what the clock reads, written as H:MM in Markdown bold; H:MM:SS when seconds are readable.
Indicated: **5:56:51**
